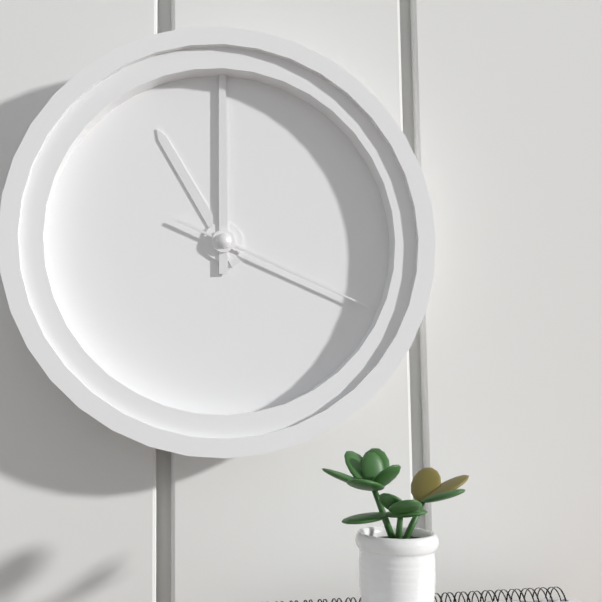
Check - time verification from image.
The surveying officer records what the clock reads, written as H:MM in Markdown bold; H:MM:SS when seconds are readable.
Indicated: **11:00:19**
